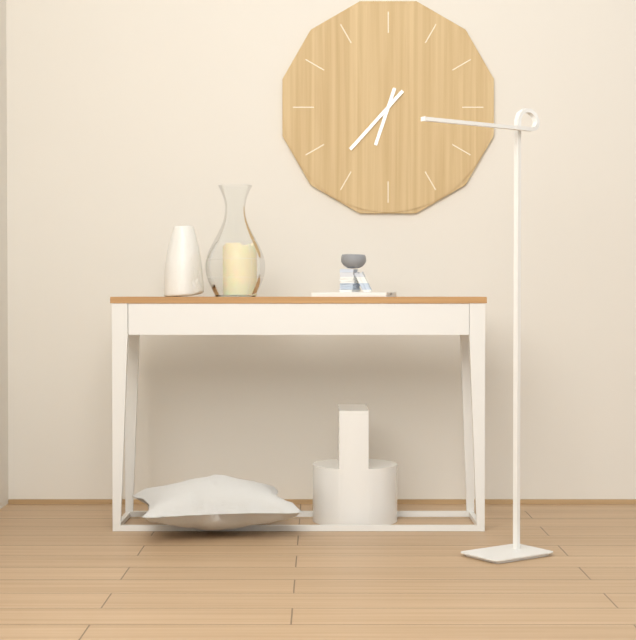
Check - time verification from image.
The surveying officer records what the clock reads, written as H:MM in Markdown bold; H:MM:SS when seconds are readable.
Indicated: **6:37**
